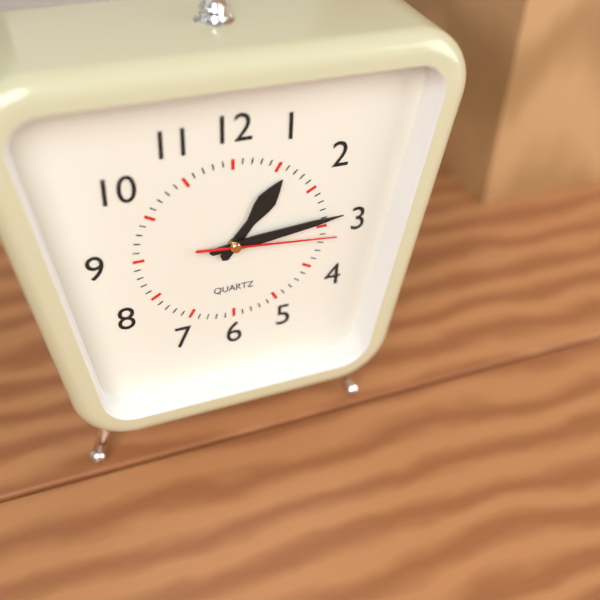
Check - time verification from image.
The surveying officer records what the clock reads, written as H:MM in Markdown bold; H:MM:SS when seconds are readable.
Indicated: **1:14:16**
